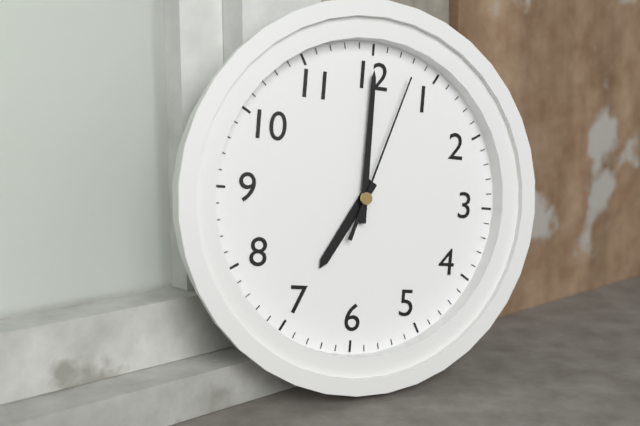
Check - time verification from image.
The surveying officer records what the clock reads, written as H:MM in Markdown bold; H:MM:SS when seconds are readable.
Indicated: **7:00:03**
